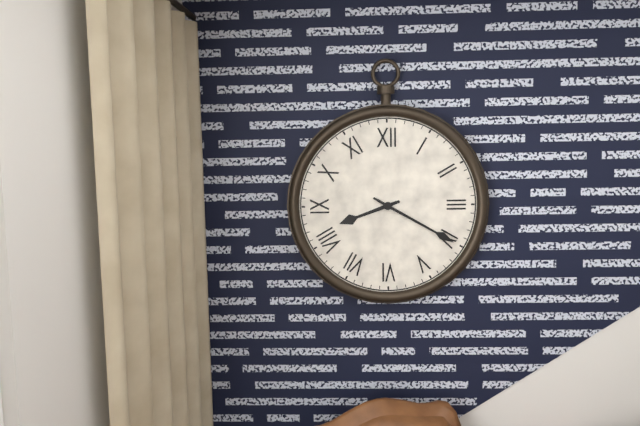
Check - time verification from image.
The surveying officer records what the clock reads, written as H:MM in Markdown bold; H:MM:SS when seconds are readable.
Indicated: **8:20**
